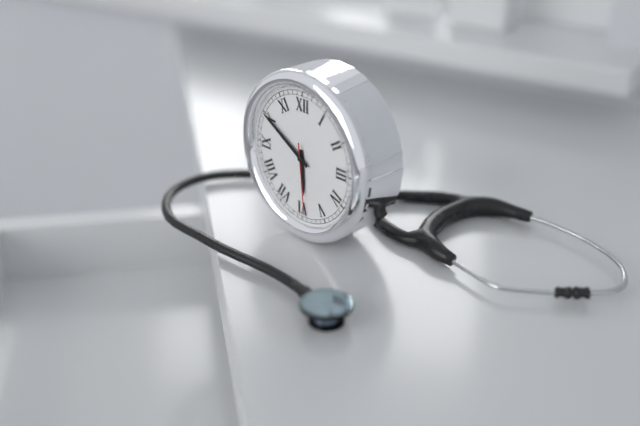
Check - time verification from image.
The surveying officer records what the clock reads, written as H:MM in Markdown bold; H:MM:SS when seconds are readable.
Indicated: **5:50:29**
